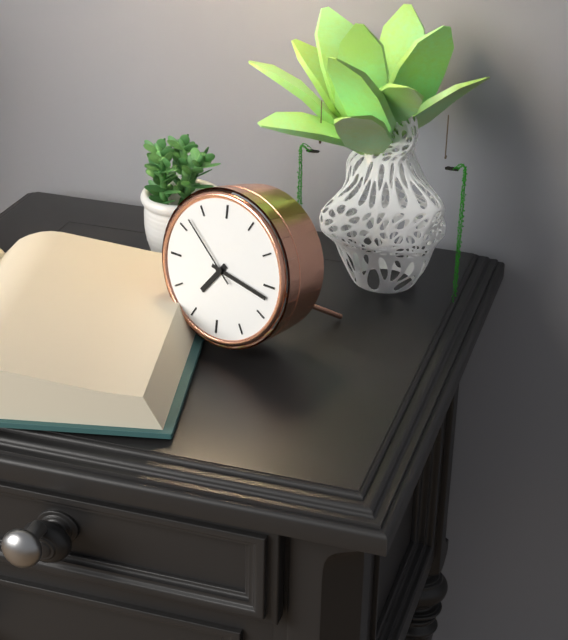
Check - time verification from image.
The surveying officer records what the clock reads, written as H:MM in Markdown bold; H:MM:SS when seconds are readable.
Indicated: **7:17:52**
